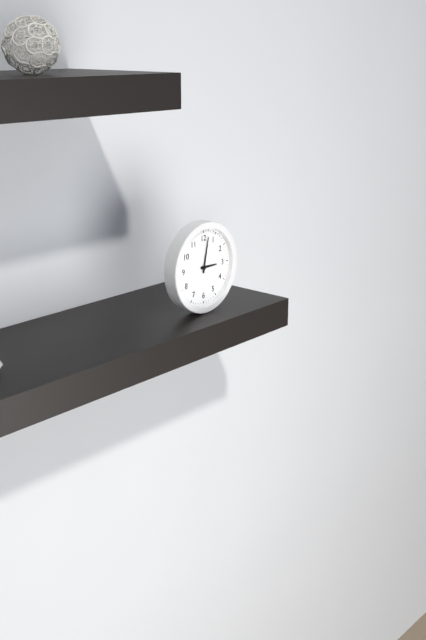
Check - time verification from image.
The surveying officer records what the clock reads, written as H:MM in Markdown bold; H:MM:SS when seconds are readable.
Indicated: **3:02**
